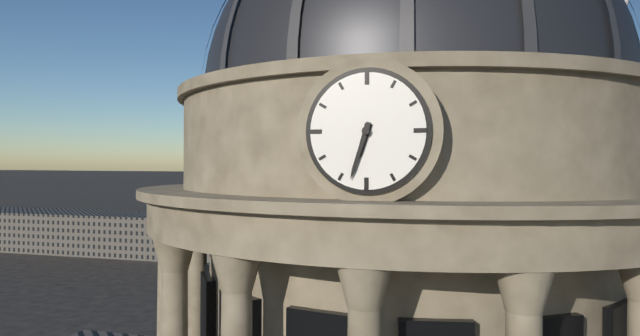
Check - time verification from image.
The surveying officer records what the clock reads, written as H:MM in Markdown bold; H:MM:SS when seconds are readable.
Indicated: **6:33**
